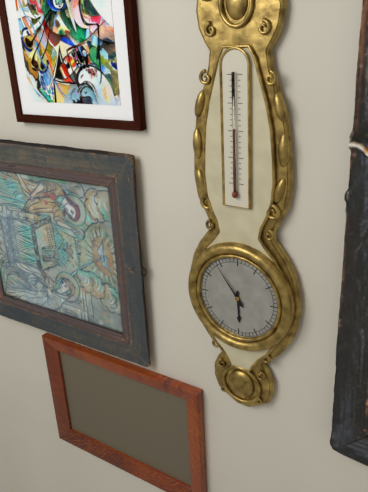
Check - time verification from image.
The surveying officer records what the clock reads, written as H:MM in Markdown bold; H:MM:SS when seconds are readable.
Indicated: **5:54**
